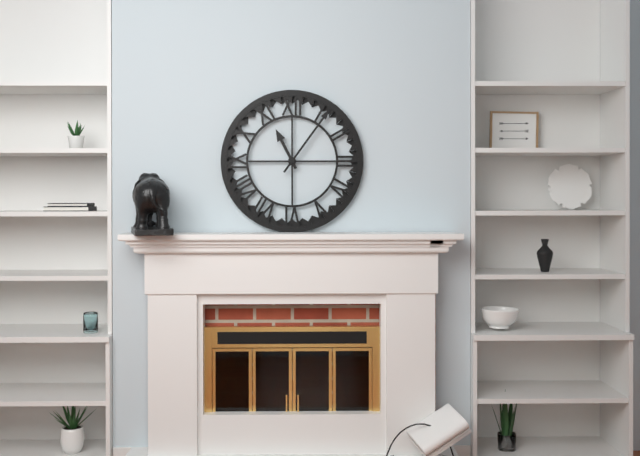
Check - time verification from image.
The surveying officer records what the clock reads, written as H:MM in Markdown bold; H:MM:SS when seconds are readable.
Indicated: **11:06**
